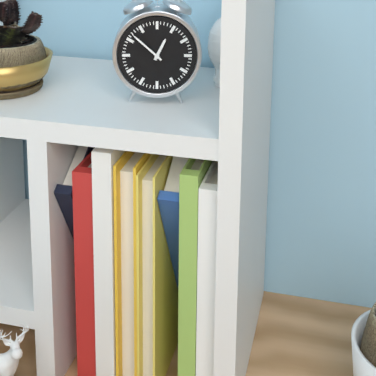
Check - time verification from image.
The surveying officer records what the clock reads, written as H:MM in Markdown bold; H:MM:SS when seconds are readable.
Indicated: **12:52**
